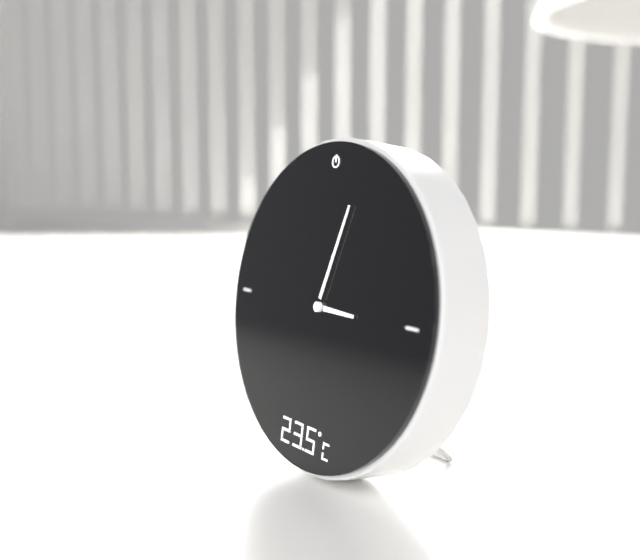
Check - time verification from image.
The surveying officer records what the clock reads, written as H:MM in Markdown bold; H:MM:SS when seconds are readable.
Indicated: **3:03**
